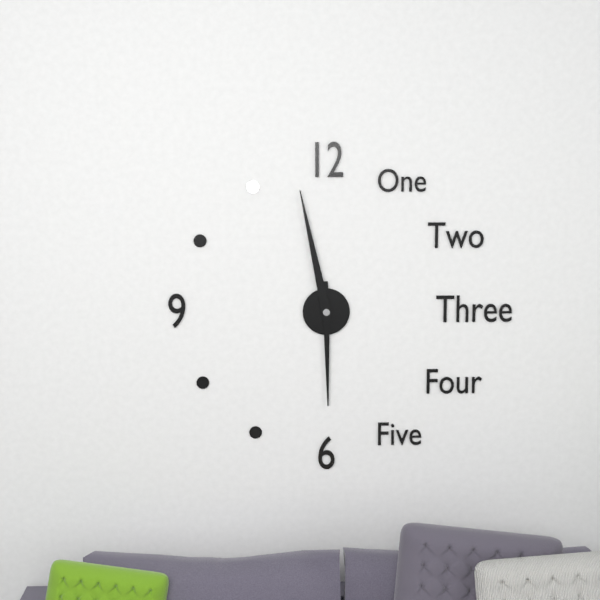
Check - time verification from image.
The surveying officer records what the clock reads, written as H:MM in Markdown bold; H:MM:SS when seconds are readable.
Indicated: **5:58**
